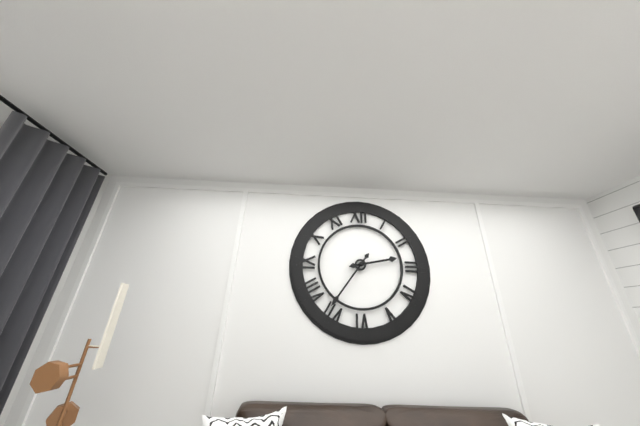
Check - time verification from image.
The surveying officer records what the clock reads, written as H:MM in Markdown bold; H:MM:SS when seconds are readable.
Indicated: **2:36**
